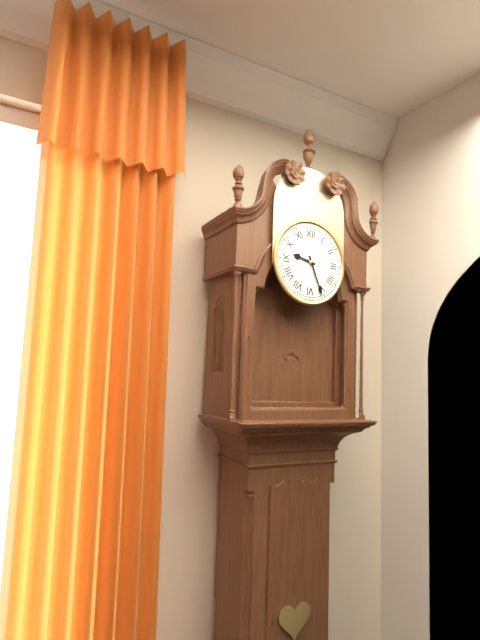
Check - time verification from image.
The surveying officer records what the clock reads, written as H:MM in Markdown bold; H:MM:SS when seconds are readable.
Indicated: **9:26**
